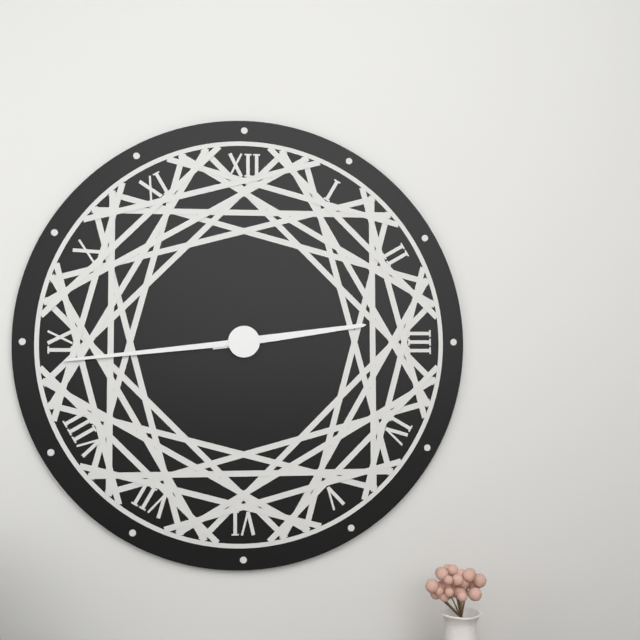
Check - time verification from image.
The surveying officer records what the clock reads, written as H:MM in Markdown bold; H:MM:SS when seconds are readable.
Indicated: **2:44**
